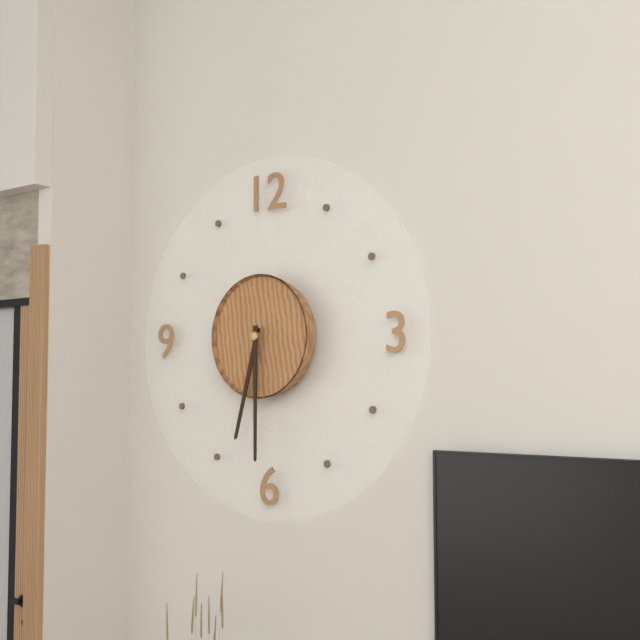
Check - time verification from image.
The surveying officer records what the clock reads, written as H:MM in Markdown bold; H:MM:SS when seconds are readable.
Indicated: **6:30**
